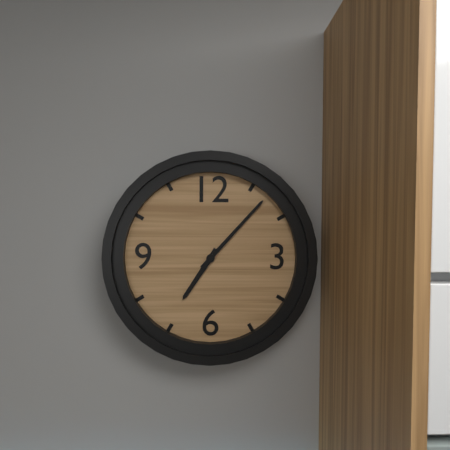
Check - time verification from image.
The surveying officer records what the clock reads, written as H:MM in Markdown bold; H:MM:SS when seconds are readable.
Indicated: **7:07**
